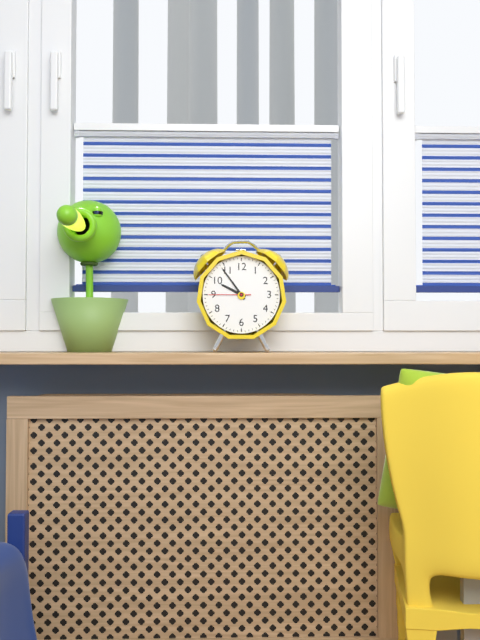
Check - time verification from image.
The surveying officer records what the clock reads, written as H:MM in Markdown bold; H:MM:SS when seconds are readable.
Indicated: **9:54**
